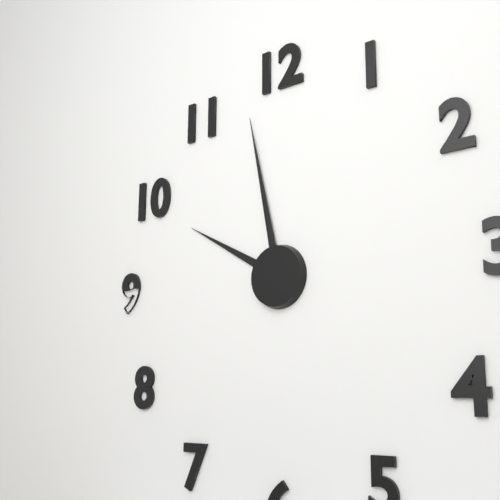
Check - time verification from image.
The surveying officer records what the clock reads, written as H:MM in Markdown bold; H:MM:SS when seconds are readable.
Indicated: **9:58**
